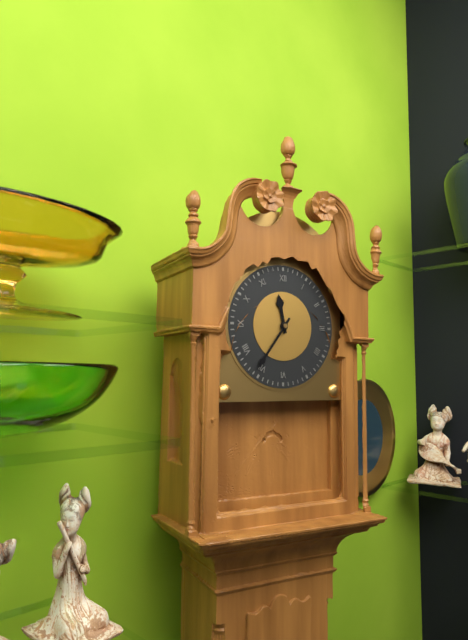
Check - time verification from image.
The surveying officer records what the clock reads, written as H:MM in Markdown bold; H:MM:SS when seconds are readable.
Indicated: **11:36**
